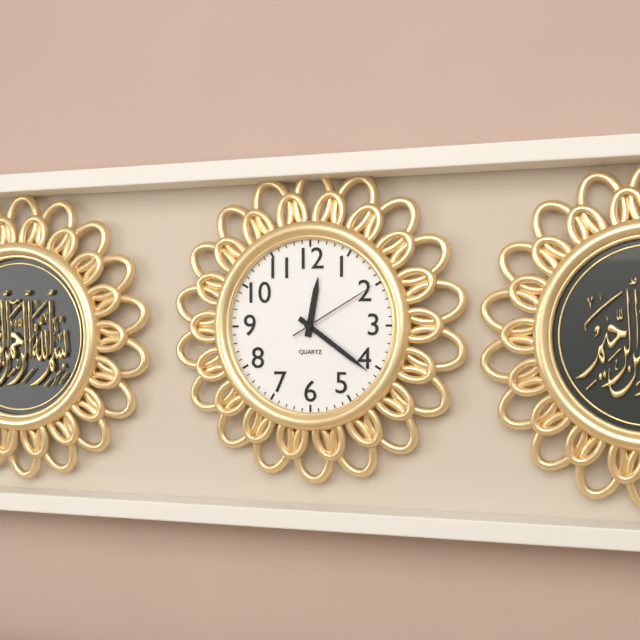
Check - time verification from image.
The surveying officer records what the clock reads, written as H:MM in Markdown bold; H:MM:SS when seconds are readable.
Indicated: **12:21:10**
